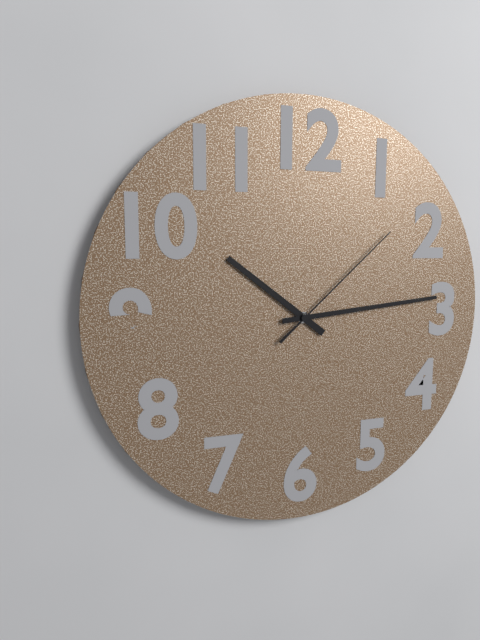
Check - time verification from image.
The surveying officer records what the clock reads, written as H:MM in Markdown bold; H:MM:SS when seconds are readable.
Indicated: **10:14:08**
